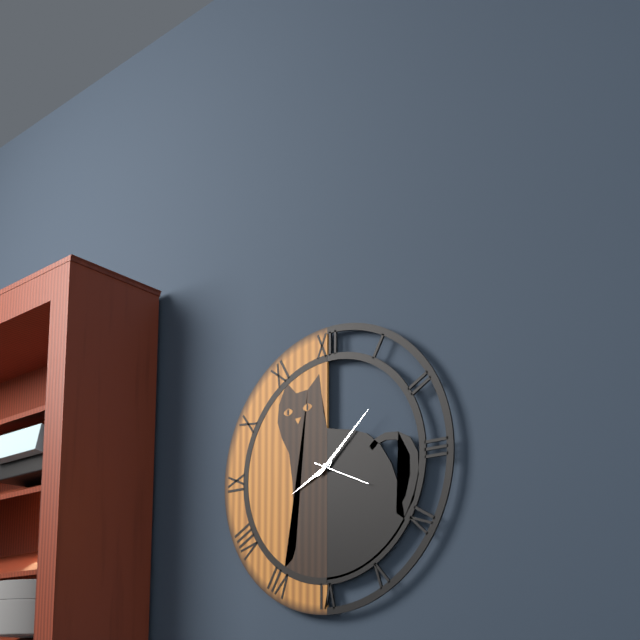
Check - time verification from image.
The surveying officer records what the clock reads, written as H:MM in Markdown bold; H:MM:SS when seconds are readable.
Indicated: **8:08:19**
